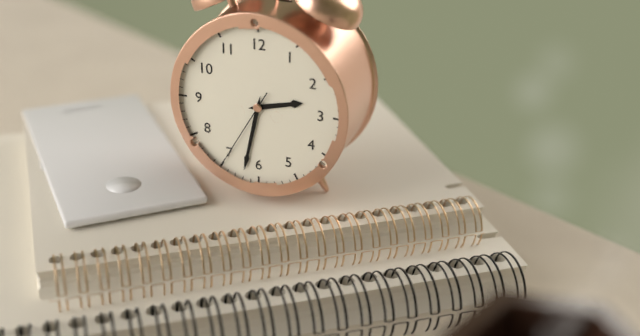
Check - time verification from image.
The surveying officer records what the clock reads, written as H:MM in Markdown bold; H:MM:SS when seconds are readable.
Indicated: **2:32:35**
